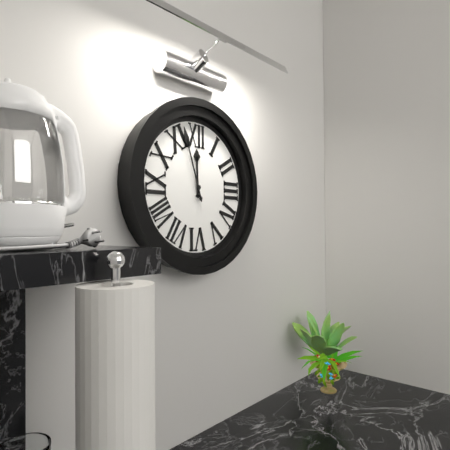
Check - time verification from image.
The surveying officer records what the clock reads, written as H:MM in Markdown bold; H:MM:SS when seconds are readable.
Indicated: **11:57**
